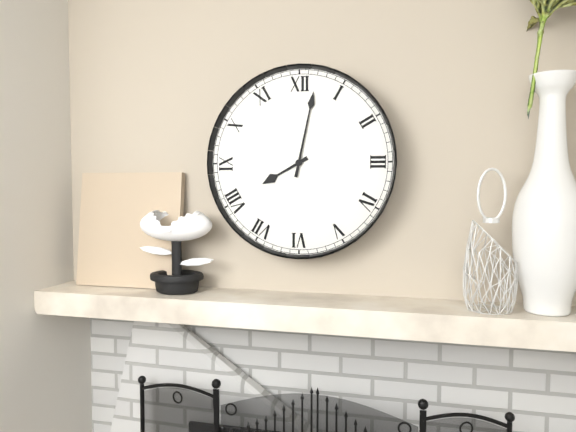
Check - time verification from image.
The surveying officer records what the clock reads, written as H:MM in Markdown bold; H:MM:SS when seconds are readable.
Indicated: **8:02**
